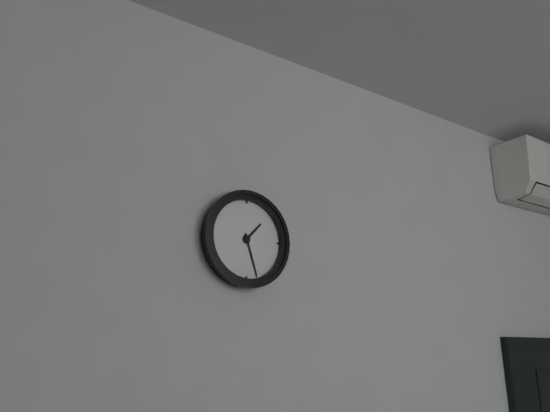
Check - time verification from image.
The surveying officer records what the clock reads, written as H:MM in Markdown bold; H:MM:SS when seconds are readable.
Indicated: **1:27**
